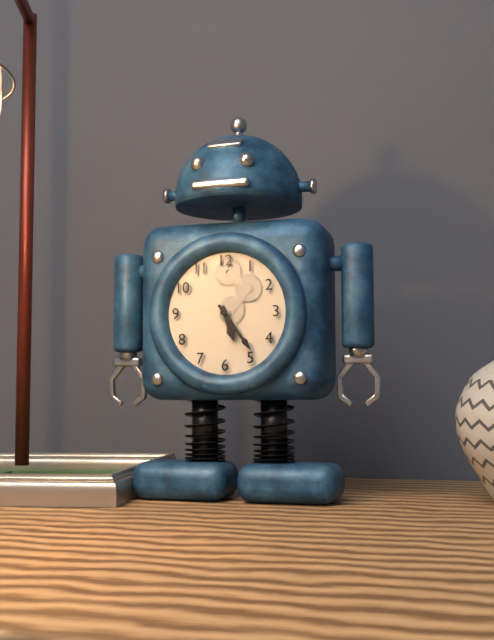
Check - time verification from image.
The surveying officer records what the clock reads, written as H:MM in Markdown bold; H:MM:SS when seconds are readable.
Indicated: **5:24**
